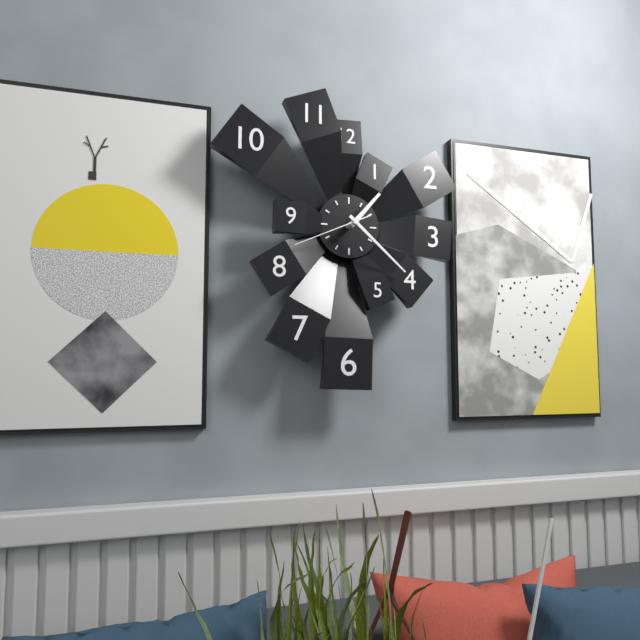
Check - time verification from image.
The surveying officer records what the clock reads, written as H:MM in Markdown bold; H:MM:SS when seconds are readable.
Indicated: **1:22:41**
